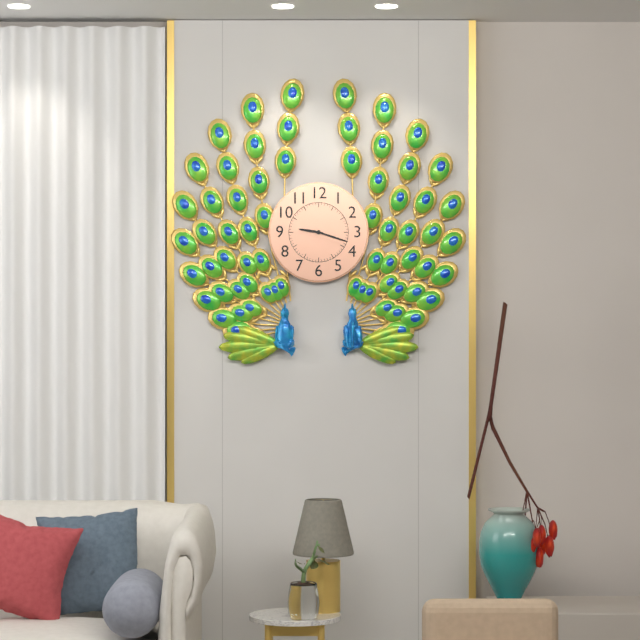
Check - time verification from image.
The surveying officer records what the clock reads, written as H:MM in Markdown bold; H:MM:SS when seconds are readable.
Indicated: **9:18**
